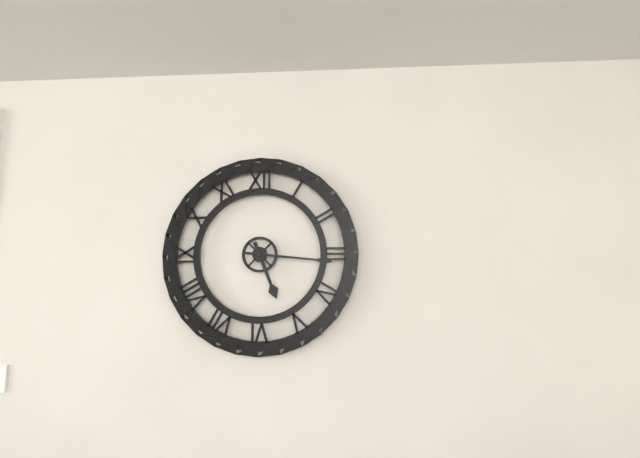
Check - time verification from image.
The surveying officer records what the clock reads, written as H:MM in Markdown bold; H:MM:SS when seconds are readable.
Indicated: **5:16**
